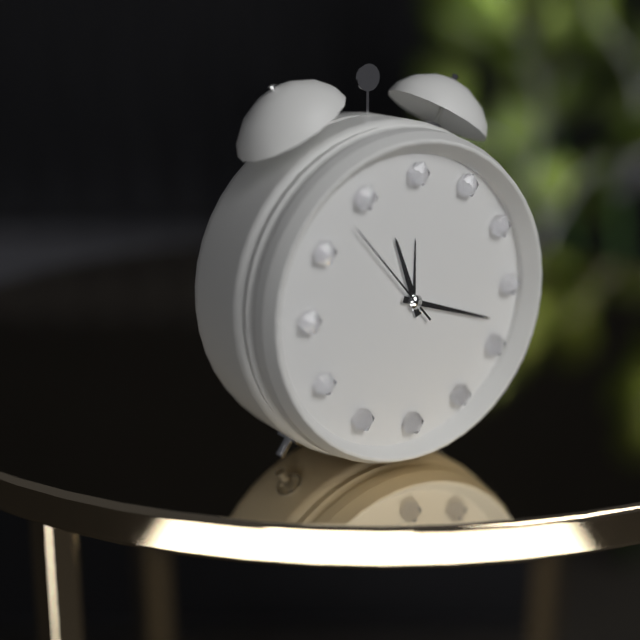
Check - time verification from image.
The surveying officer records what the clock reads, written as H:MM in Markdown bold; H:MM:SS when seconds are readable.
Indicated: **11:18:53**
